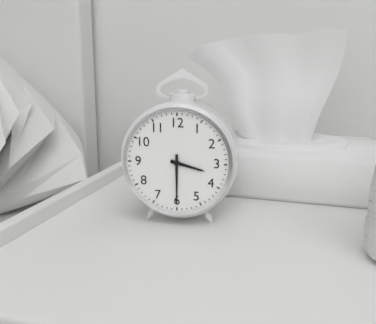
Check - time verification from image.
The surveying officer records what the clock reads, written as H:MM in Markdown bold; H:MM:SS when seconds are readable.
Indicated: **3:30**
